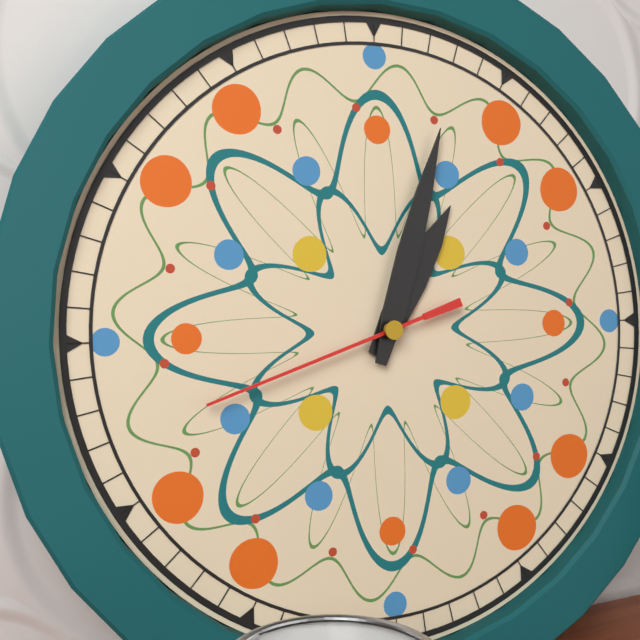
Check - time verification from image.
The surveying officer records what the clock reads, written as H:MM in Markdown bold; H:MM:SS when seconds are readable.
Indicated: **1:03:42**
